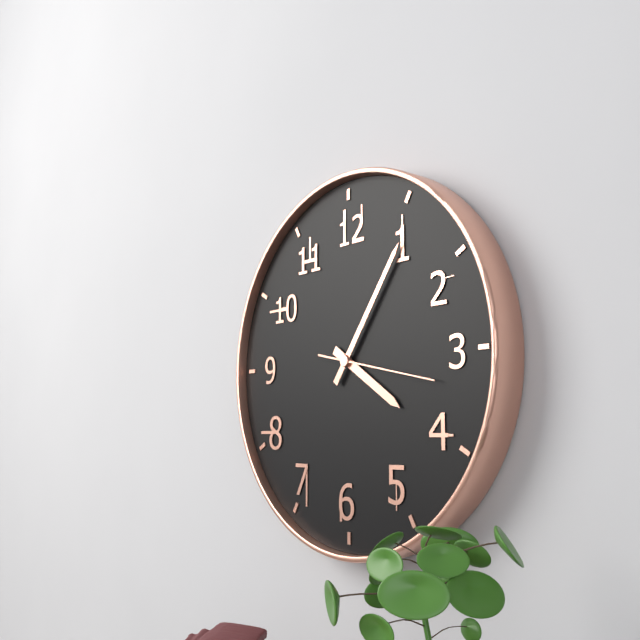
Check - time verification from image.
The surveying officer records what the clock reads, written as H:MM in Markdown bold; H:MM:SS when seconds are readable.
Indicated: **4:06:17**
